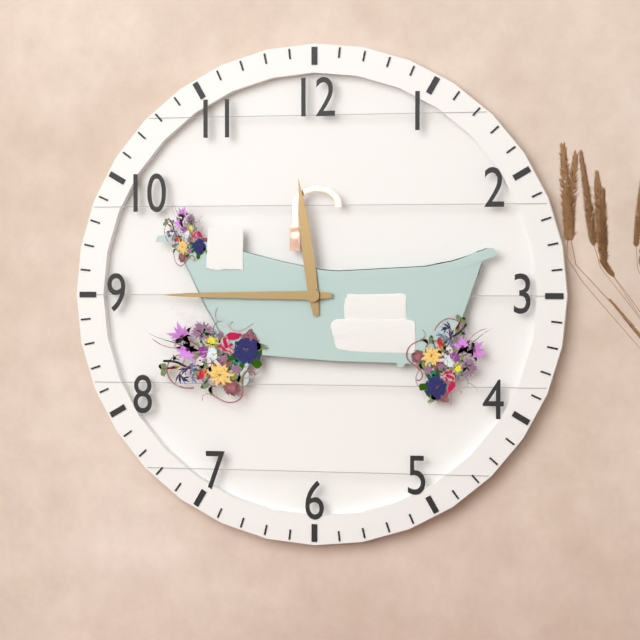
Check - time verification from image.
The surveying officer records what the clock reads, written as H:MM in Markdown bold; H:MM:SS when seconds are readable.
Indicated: **11:45**
